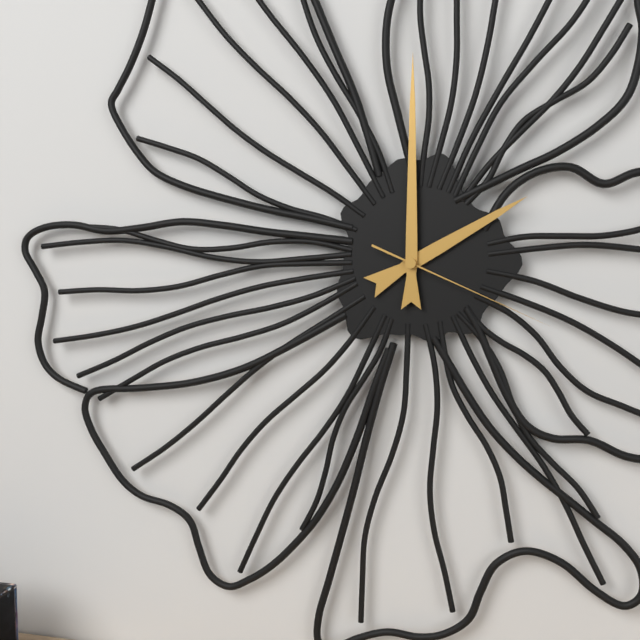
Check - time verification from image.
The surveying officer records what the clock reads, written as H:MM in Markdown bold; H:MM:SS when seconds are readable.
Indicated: **2:00:19**
